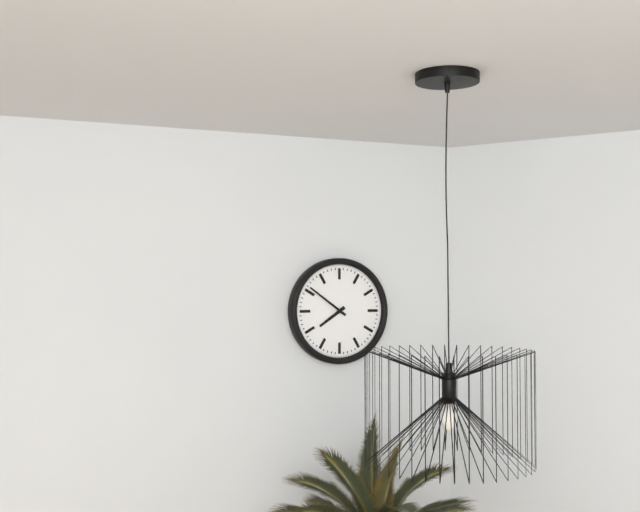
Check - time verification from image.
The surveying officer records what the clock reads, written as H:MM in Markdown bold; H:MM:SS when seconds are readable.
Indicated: **7:51**
